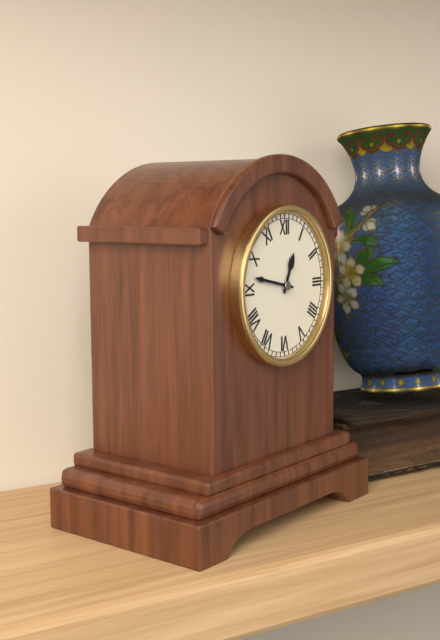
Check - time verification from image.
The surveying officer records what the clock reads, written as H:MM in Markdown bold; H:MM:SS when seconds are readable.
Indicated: **12:47**
